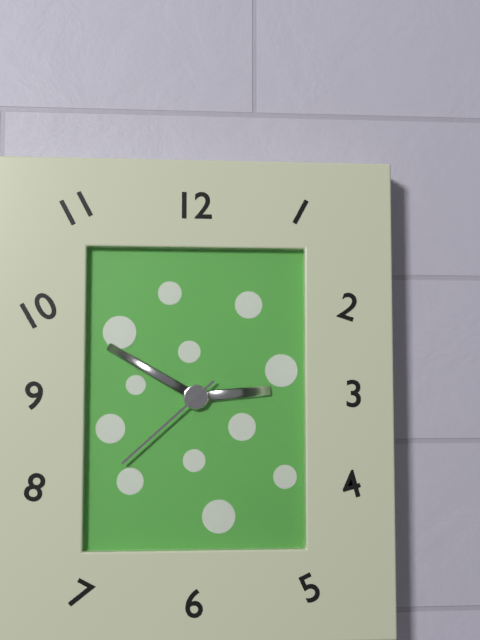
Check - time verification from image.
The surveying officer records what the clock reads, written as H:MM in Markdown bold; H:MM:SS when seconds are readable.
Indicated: **2:50:38**
